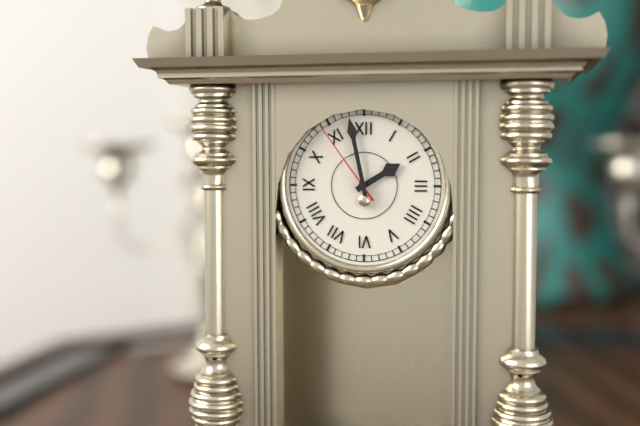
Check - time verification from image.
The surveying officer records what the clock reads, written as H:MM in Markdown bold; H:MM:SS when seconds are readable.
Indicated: **1:58:54**
